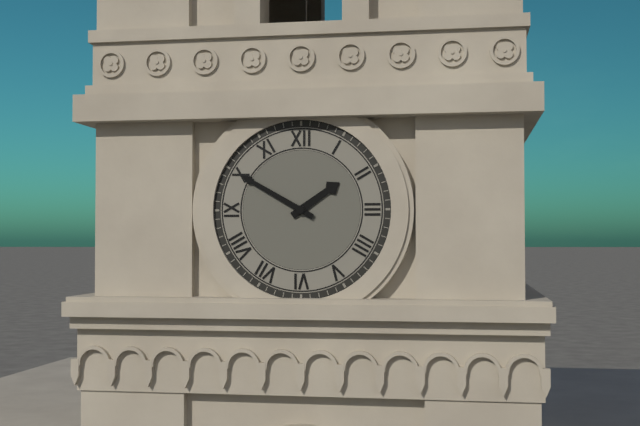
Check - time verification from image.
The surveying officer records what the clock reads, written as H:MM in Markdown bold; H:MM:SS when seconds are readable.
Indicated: **1:50**
